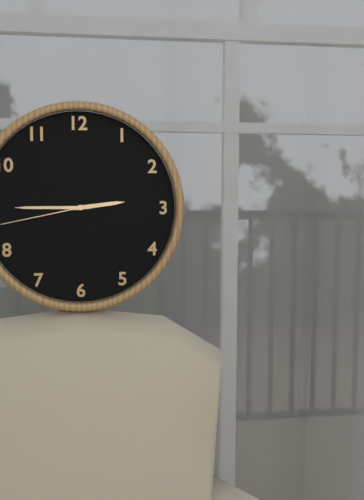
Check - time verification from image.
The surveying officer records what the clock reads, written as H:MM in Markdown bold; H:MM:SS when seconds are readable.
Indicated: **2:45:43**
